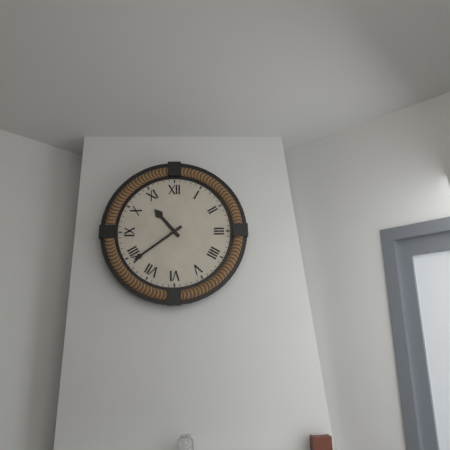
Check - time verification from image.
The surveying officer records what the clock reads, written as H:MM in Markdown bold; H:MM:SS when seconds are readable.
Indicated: **10:39**
